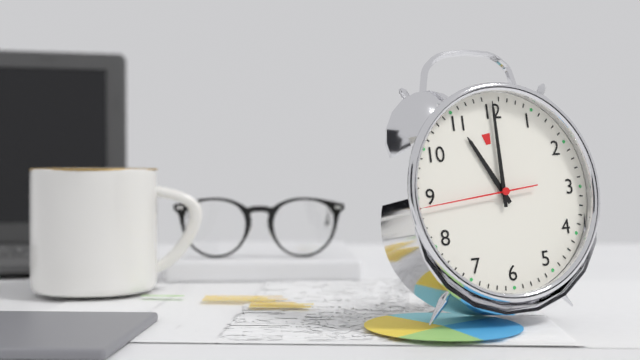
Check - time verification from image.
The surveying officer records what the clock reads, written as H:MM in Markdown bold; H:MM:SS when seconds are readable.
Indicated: **11:00:44**
